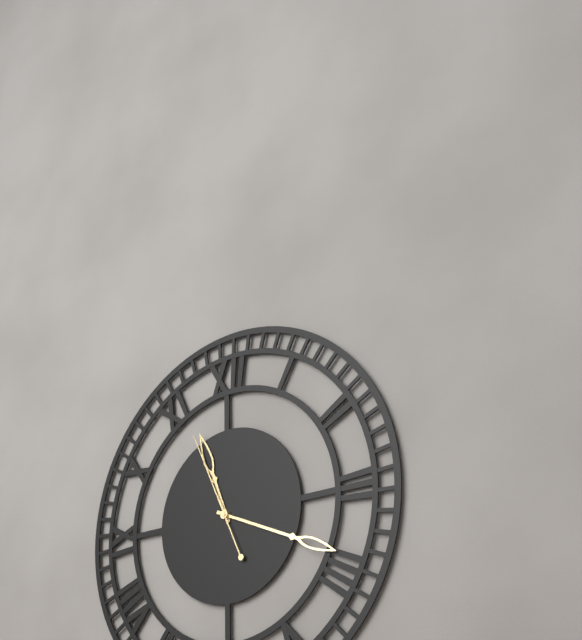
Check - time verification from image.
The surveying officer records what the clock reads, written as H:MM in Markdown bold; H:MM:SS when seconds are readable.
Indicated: **11:19:56**
